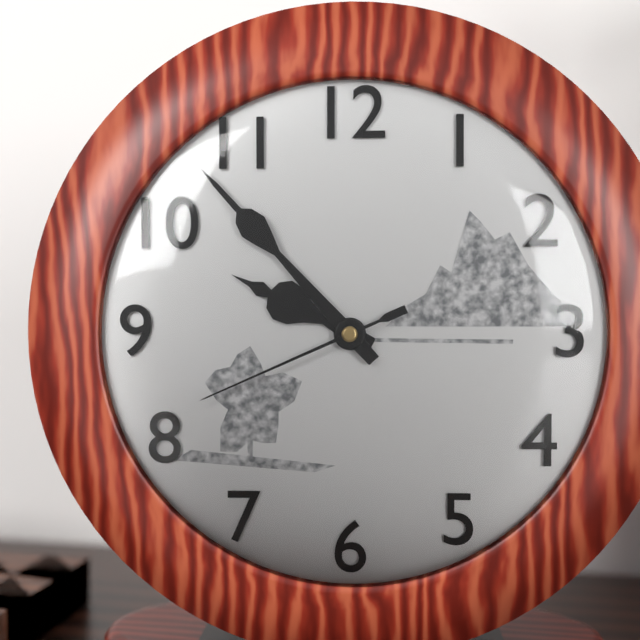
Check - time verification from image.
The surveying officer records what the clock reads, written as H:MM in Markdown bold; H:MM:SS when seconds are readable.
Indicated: **9:53:41**
